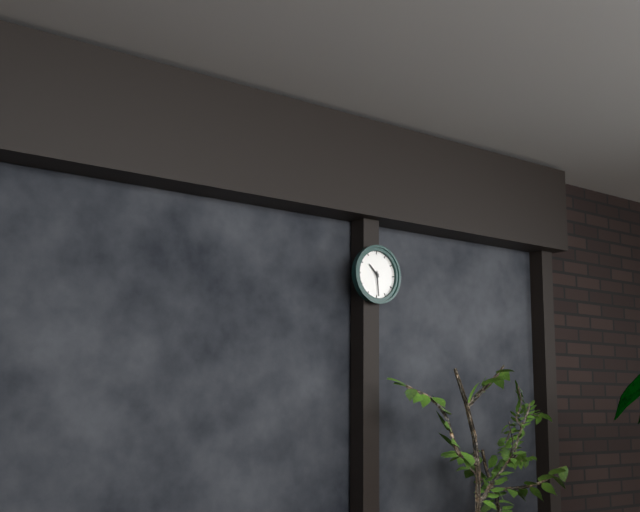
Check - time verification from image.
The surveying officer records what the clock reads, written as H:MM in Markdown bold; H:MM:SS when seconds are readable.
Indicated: **10:29**
